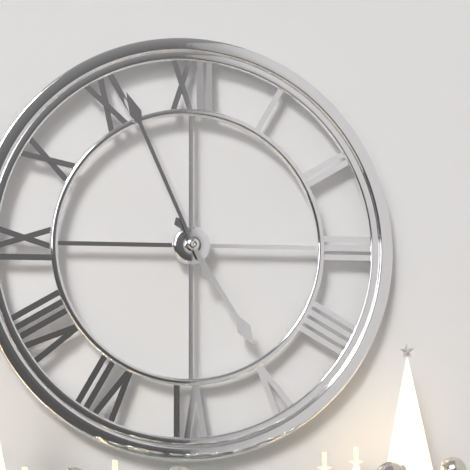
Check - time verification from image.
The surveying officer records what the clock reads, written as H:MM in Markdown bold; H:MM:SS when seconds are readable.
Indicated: **4:56**
